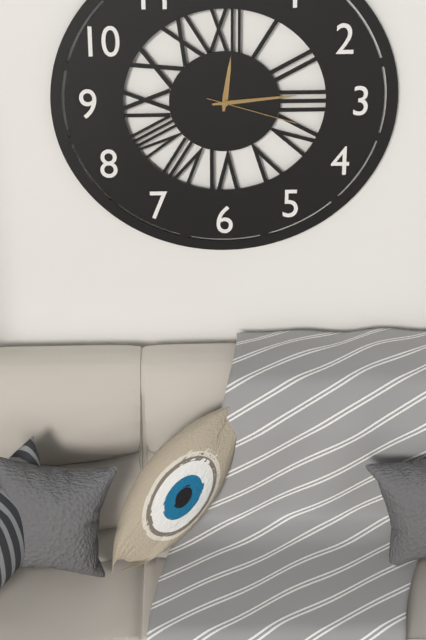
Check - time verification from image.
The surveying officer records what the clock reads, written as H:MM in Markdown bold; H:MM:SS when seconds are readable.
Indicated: **12:14:18**
